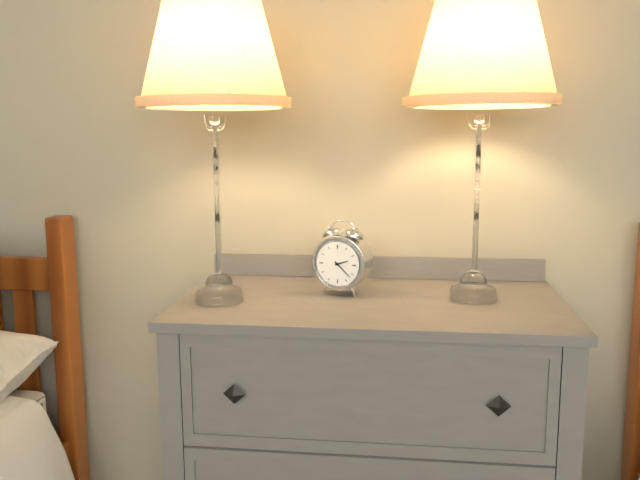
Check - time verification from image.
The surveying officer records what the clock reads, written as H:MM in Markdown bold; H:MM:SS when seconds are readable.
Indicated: **2:22**
